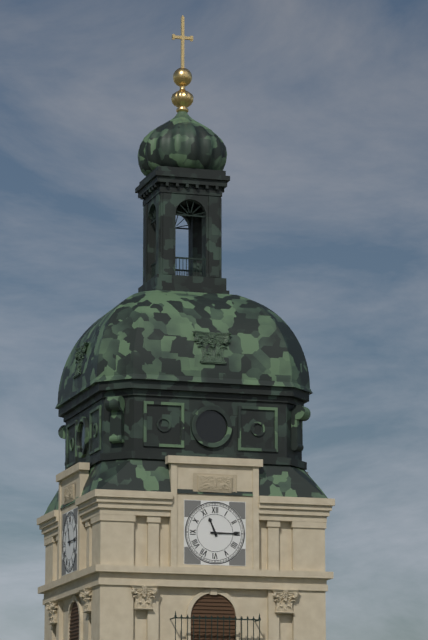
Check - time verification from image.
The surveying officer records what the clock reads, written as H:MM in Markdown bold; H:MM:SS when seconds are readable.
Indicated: **11:15**
